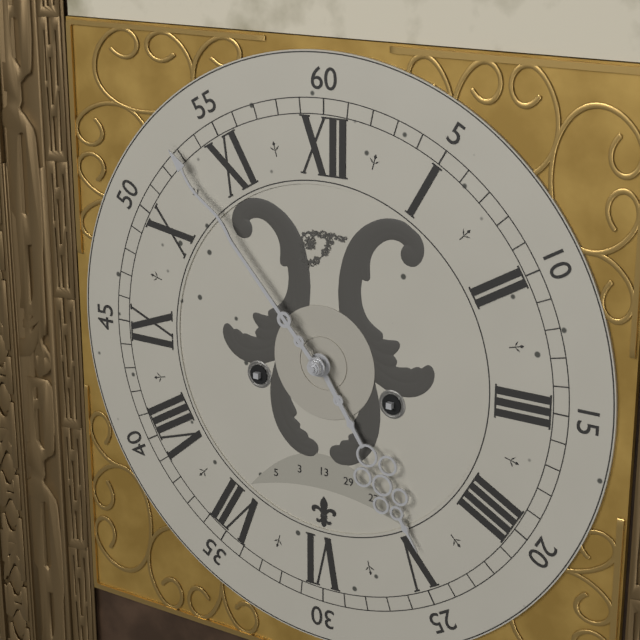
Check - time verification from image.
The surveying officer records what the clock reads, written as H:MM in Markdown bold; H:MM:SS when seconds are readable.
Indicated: **4:53**
